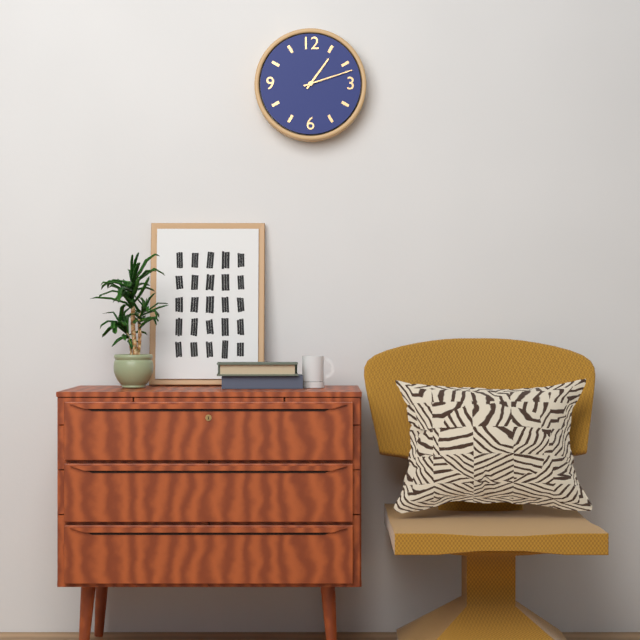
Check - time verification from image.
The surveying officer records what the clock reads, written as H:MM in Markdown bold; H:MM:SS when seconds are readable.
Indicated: **1:12**
